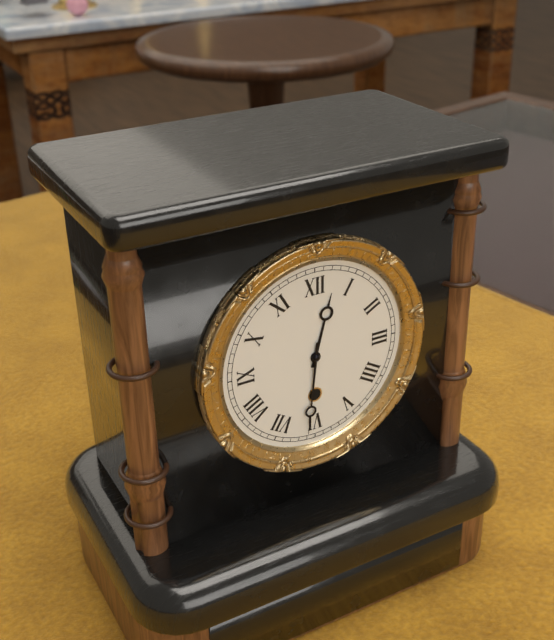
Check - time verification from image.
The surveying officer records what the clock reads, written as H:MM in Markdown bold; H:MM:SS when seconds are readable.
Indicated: **12:31**
